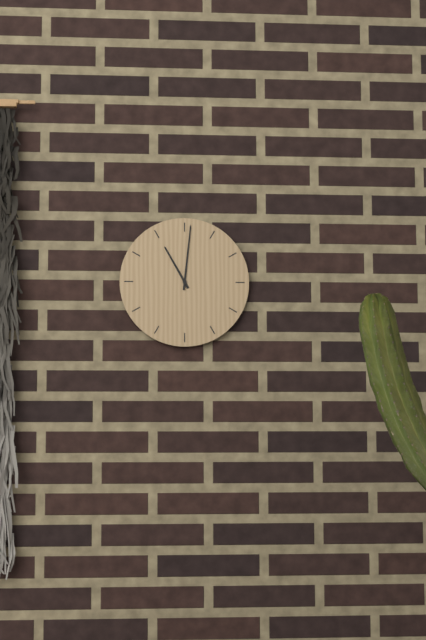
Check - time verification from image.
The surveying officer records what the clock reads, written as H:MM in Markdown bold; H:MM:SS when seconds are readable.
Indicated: **11:01**
